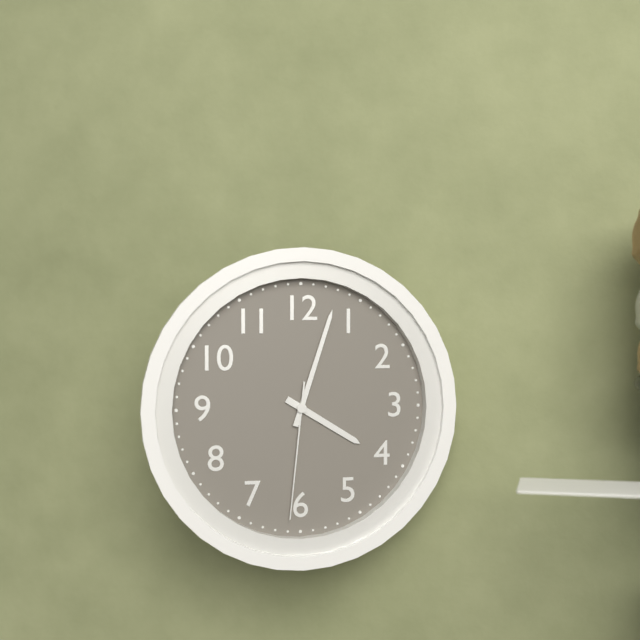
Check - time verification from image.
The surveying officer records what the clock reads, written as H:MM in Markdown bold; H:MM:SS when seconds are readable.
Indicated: **4:03:31**
